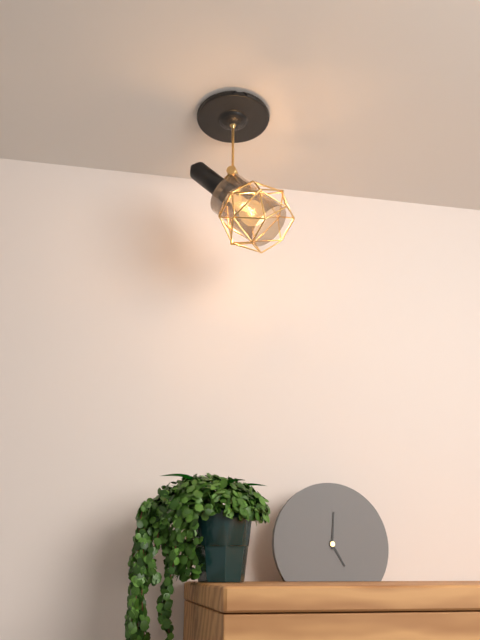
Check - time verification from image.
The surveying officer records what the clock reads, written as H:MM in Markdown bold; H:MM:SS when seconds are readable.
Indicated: **5:01**
